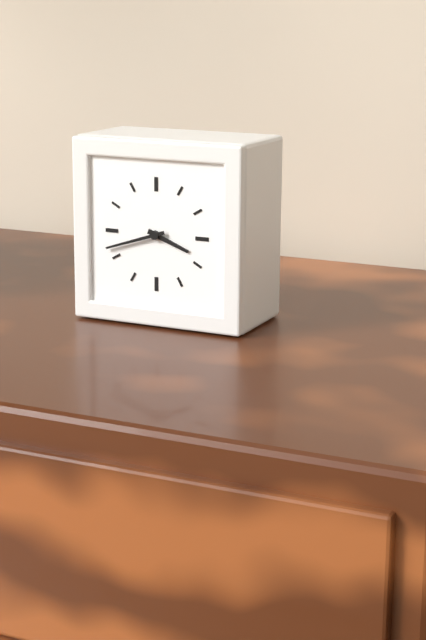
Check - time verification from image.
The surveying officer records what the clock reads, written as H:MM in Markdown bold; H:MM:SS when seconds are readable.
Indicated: **3:42**
